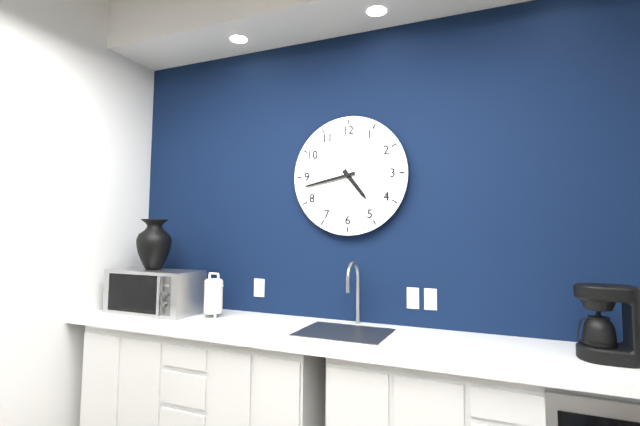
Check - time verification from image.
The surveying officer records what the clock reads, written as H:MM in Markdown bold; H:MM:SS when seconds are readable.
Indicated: **4:43**
